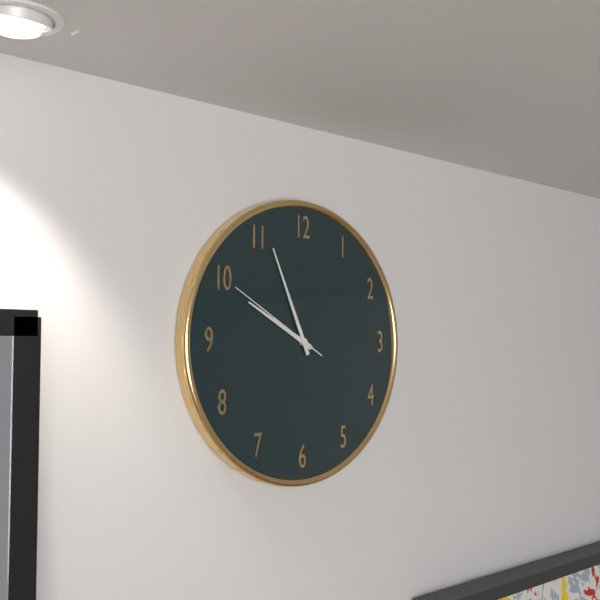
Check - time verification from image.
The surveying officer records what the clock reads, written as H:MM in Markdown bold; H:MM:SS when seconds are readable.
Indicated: **9:56:50**
